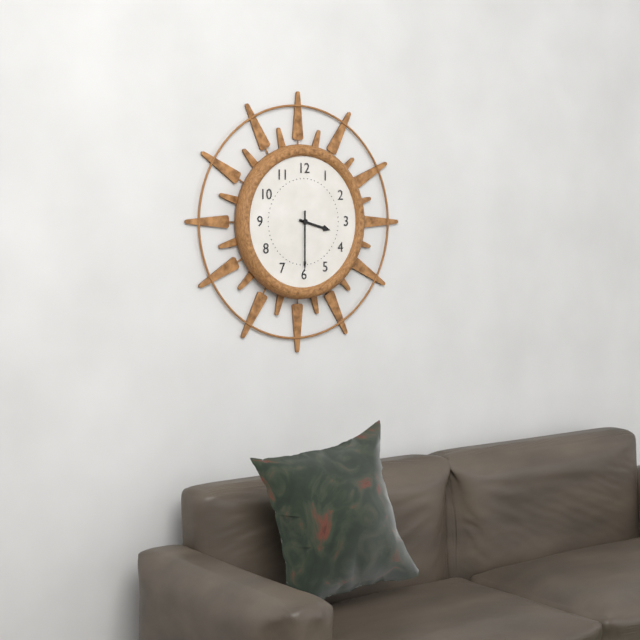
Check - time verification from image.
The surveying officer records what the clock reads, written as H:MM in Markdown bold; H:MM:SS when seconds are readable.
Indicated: **3:30**
